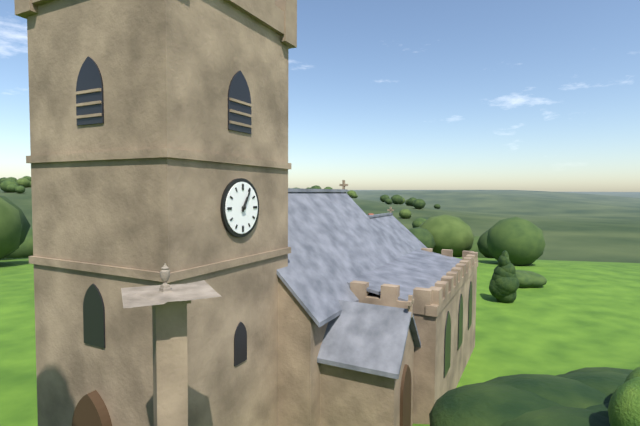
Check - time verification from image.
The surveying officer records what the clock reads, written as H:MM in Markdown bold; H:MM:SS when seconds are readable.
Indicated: **1:05**
